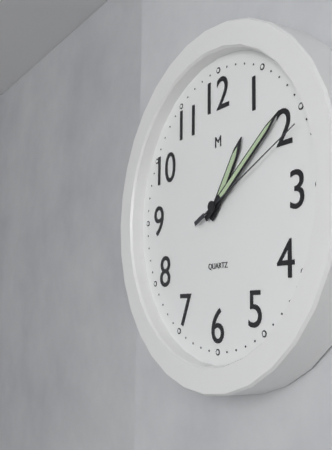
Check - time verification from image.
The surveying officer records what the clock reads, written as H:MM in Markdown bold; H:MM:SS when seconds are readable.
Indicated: **1:09:11**
